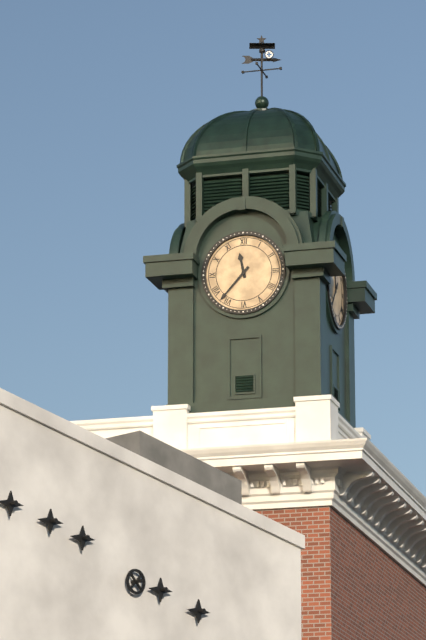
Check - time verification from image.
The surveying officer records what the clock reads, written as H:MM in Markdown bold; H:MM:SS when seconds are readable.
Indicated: **11:37**
